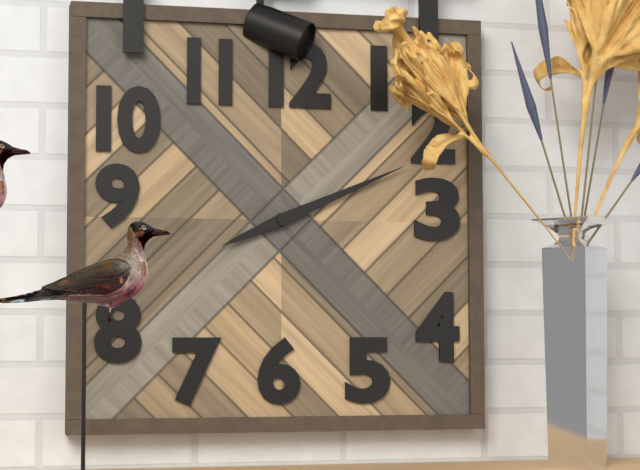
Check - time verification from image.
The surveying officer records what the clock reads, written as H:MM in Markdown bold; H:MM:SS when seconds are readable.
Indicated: **2:11**
